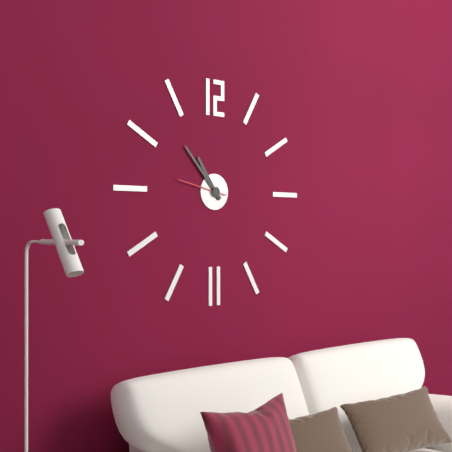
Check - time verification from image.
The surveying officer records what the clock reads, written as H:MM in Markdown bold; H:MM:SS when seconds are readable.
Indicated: **10:53**
